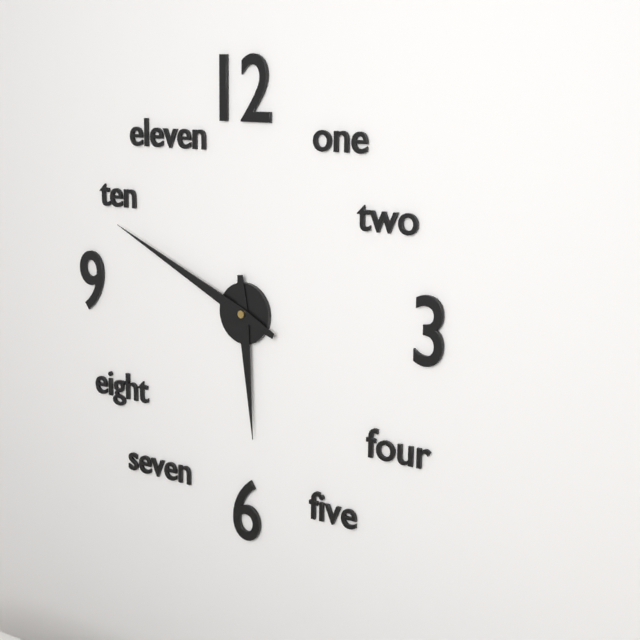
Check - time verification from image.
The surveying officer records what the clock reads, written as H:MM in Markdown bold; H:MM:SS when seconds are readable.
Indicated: **5:49**
